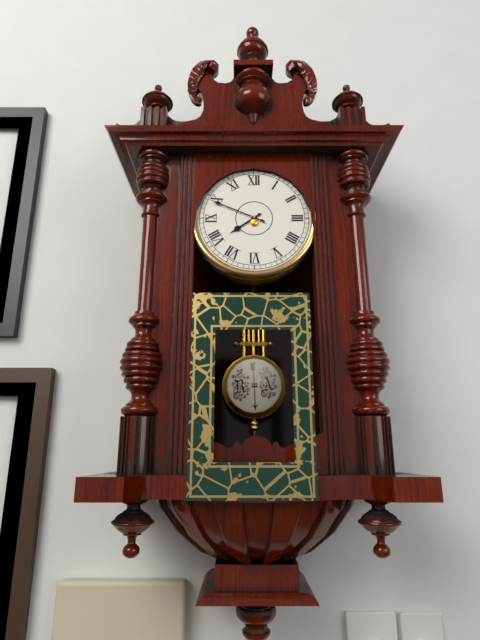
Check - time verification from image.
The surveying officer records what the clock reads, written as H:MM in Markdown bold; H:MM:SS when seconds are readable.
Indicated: **7:49**
